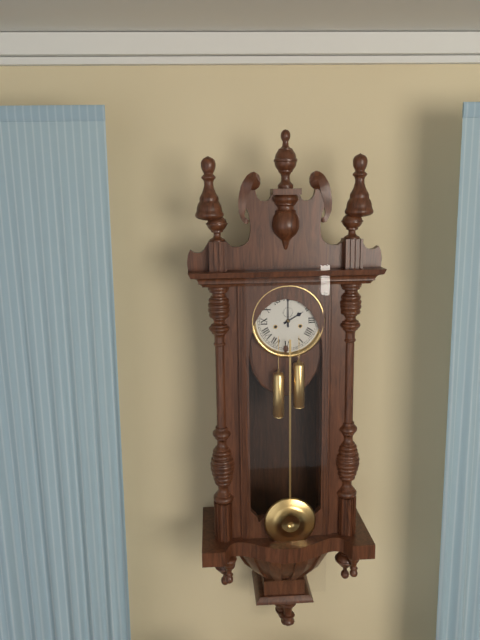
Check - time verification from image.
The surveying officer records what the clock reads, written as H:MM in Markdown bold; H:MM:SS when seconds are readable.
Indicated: **2:00**
